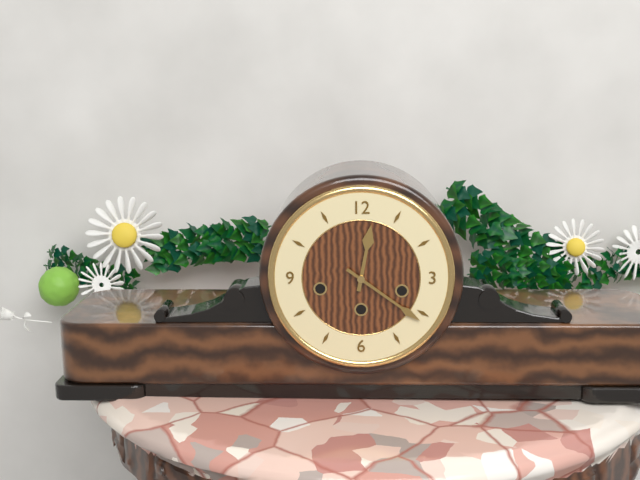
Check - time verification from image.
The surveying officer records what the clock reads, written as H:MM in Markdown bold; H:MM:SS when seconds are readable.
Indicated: **12:21**
